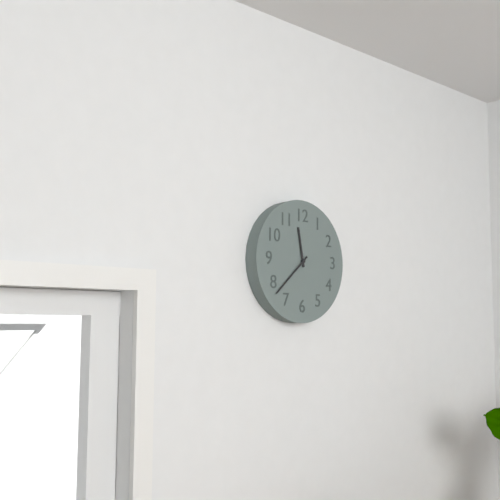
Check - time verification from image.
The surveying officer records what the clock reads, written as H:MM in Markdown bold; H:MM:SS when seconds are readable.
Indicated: **11:38**
